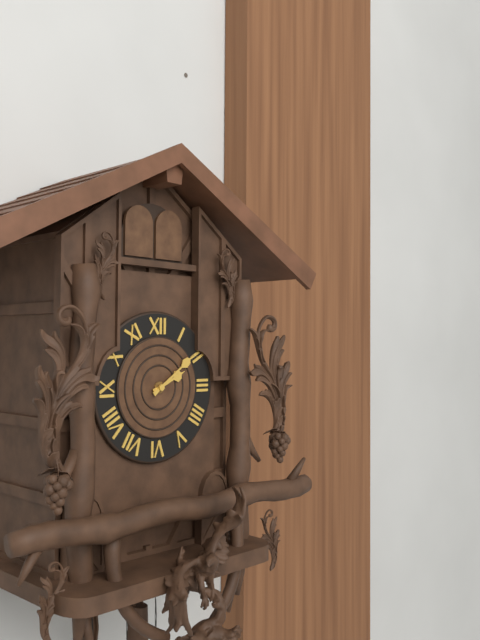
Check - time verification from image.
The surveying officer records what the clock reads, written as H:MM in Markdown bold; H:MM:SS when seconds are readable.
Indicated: **2:09**
